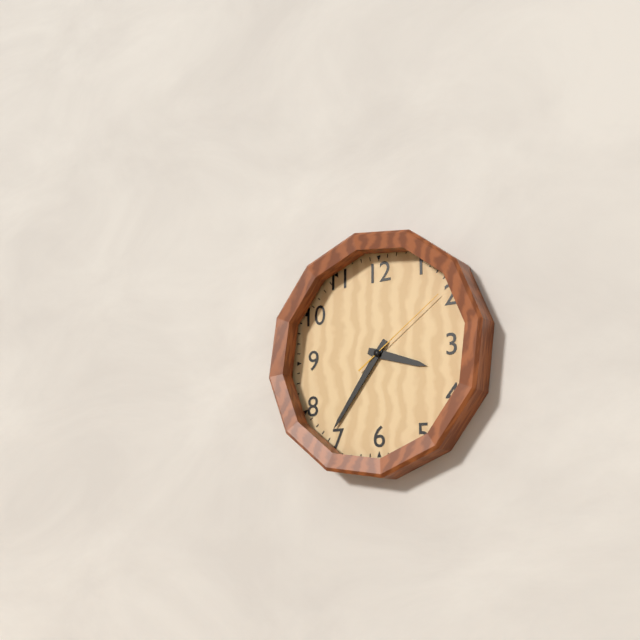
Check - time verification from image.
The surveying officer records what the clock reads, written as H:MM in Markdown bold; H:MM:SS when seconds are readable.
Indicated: **3:36:09**
